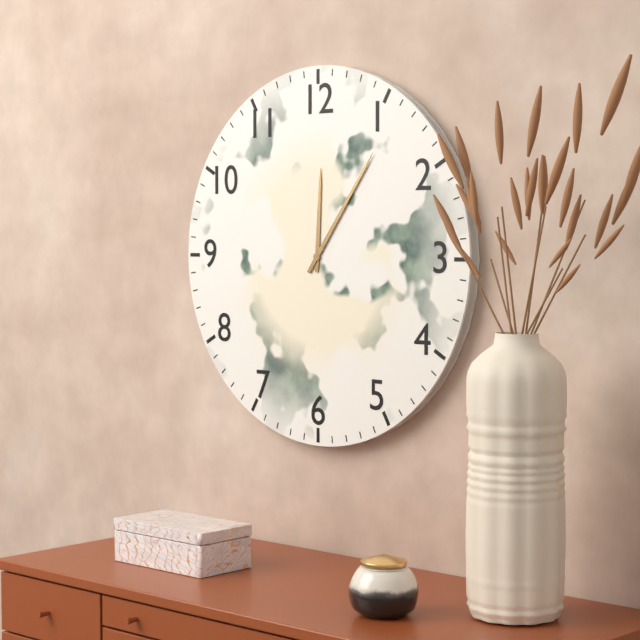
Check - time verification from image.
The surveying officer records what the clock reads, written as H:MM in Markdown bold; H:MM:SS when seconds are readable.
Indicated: **12:06**
